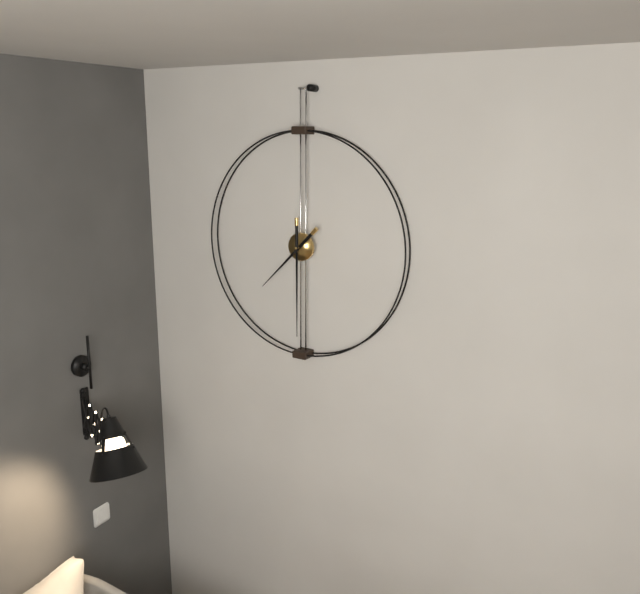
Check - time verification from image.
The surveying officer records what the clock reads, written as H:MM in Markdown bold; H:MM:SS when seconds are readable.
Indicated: **7:30**
